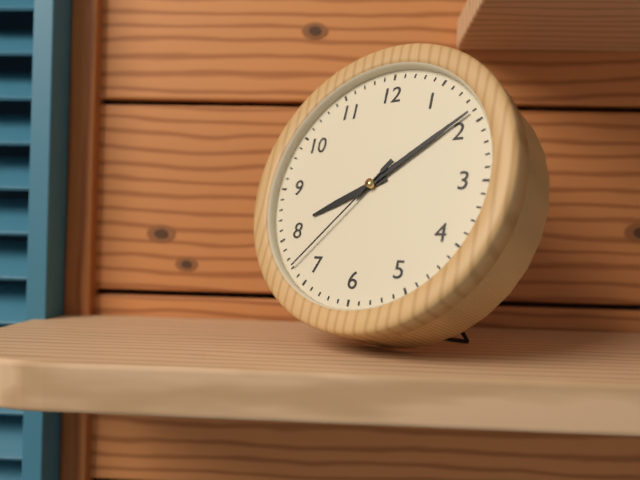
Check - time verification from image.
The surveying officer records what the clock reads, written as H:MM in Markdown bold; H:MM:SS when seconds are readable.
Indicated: **8:09:37**
